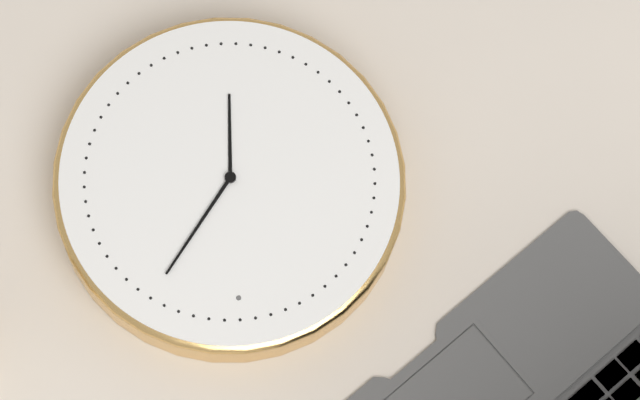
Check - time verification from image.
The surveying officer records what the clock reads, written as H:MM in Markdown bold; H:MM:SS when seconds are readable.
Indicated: **6:06**
